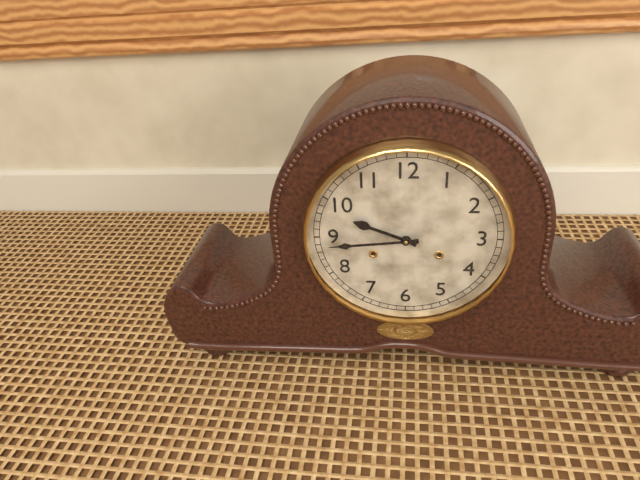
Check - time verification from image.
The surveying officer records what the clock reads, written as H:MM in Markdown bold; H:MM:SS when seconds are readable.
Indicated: **9:44**
